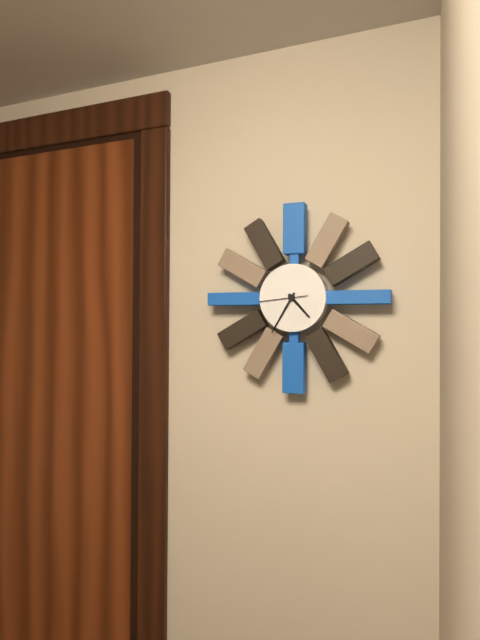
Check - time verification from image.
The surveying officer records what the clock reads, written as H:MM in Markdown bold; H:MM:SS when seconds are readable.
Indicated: **4:35**
